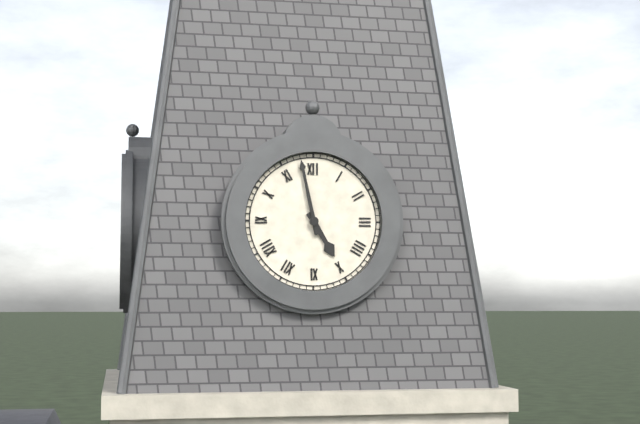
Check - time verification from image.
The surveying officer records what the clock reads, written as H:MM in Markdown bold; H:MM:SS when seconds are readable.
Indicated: **4:58**
